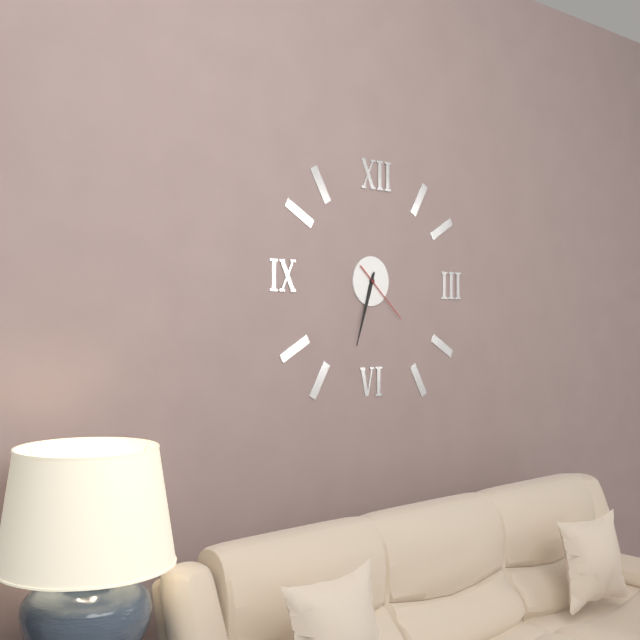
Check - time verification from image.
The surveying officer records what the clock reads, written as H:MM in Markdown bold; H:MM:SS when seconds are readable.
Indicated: **6:33:22**
